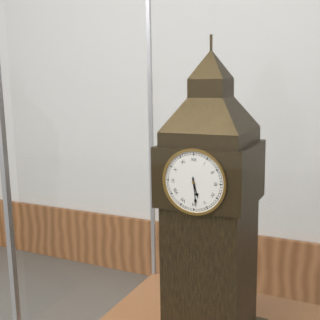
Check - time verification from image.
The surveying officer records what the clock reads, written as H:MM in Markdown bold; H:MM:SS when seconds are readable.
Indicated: **5:29**
